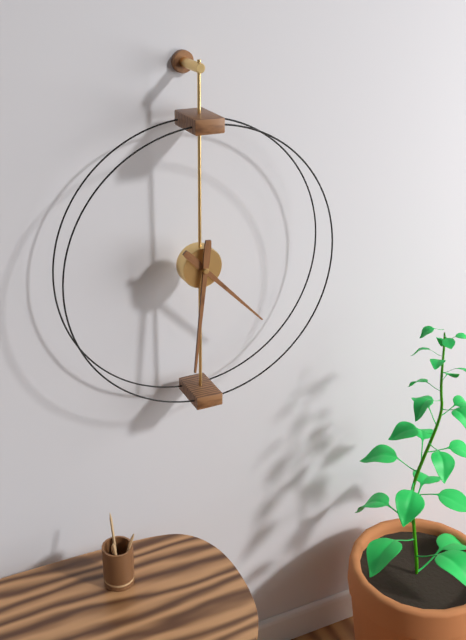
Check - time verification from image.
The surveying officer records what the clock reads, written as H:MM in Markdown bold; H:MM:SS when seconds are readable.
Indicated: **4:31**
